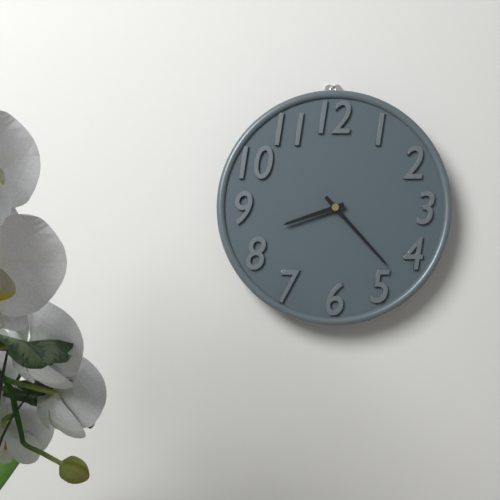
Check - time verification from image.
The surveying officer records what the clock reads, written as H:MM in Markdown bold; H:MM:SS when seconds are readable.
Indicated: **8:23**
